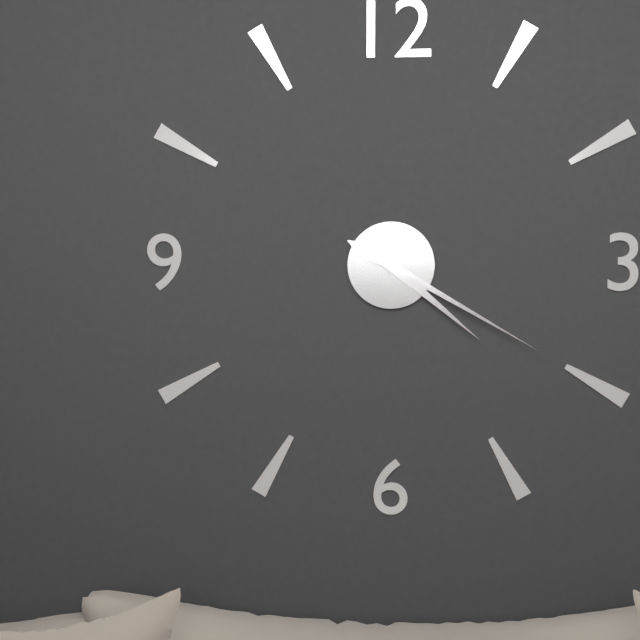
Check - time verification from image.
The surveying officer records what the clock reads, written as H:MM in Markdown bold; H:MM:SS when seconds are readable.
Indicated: **4:20**
